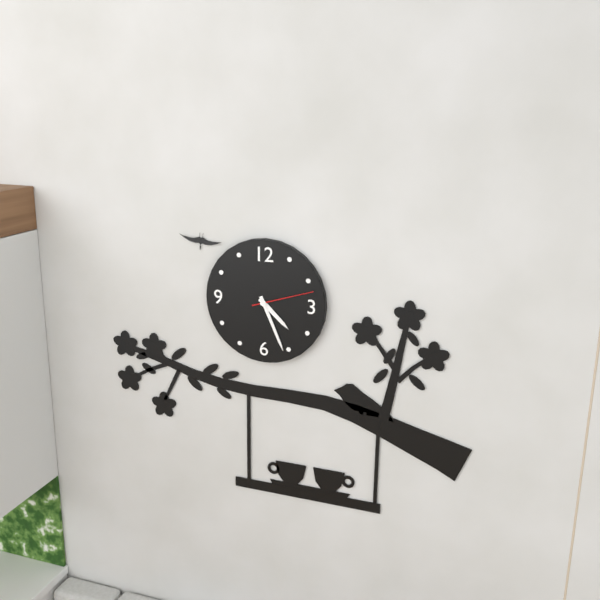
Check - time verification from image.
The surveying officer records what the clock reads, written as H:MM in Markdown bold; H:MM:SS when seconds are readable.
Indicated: **4:26:12**
